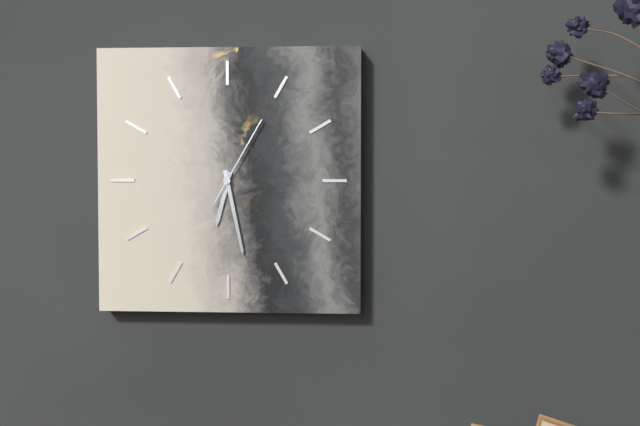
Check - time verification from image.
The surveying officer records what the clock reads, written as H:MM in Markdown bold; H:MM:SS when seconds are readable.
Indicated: **6:28:05**
